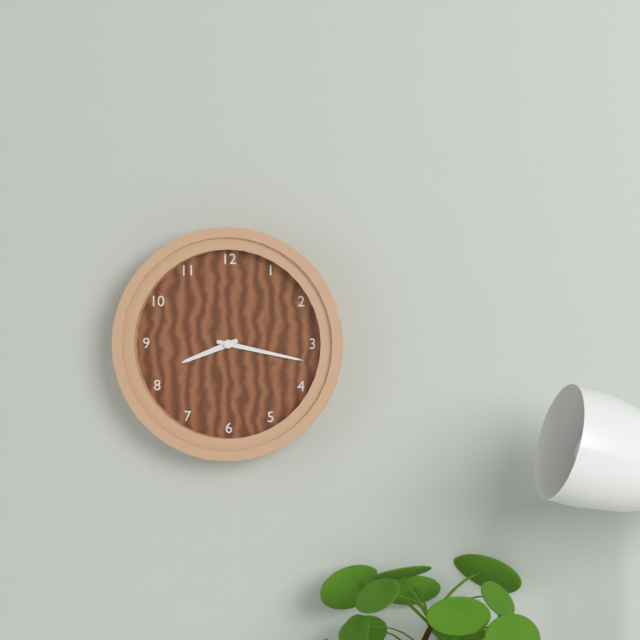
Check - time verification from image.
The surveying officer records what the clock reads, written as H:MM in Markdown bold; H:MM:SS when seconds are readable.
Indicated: **8:17**
